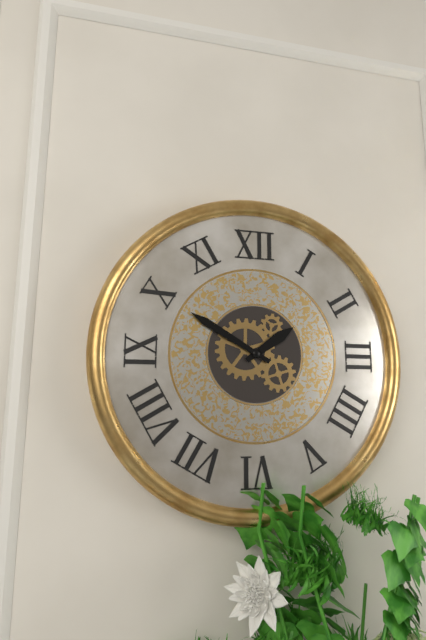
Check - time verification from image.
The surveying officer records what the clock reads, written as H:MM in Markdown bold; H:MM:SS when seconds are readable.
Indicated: **1:50**
